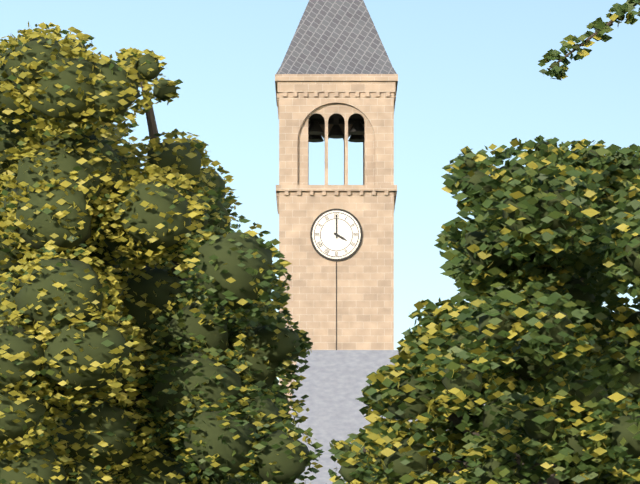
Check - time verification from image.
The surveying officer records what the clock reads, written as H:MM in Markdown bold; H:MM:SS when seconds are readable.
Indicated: **4:00**
